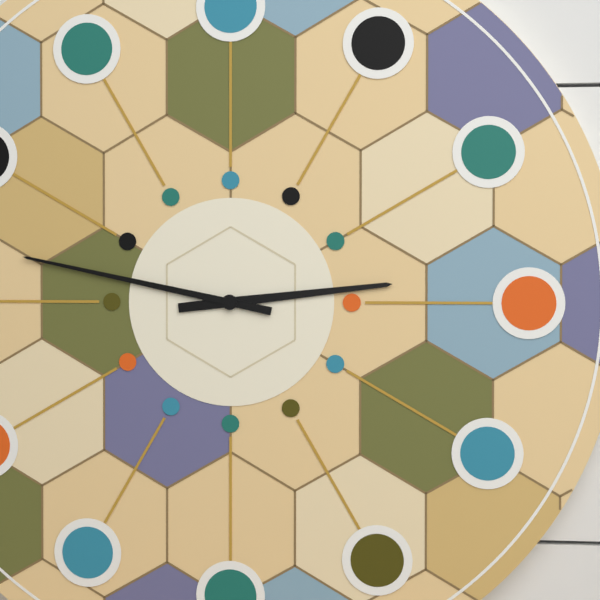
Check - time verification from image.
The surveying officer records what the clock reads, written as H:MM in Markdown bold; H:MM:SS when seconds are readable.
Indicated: **2:47**
